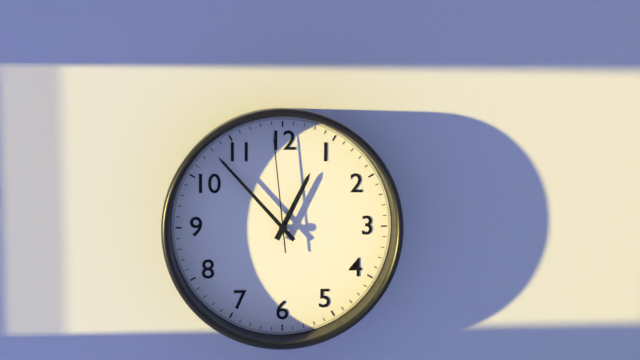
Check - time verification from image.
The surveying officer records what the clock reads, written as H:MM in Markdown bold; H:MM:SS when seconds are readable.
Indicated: **12:53:59**
